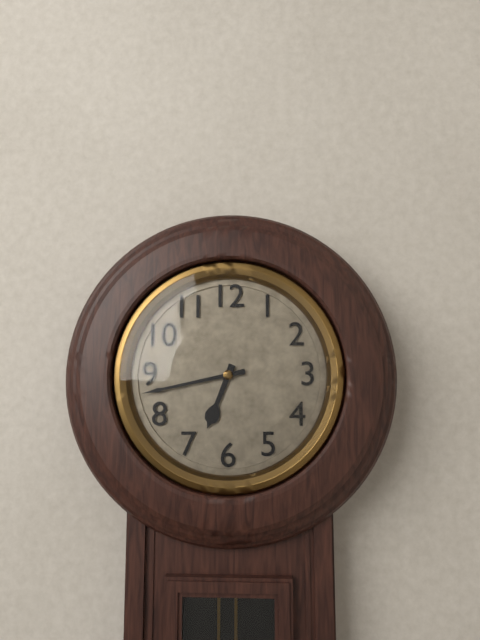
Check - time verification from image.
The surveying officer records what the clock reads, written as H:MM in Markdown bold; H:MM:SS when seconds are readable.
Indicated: **6:43**
